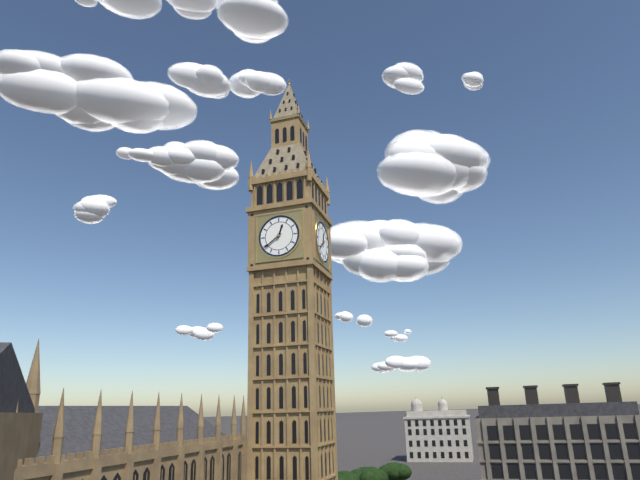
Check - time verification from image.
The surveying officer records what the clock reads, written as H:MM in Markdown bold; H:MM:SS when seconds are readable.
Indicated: **12:39**
